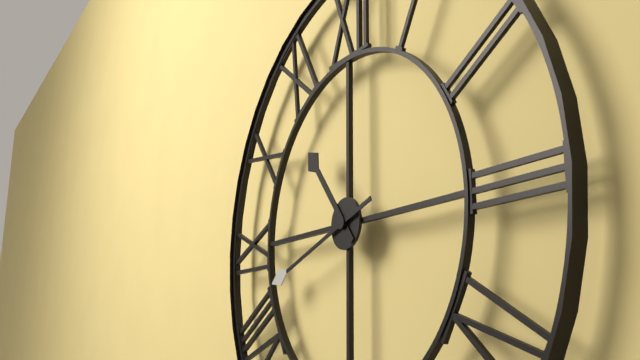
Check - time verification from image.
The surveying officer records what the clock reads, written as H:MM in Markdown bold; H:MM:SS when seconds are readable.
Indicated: **10:42**
